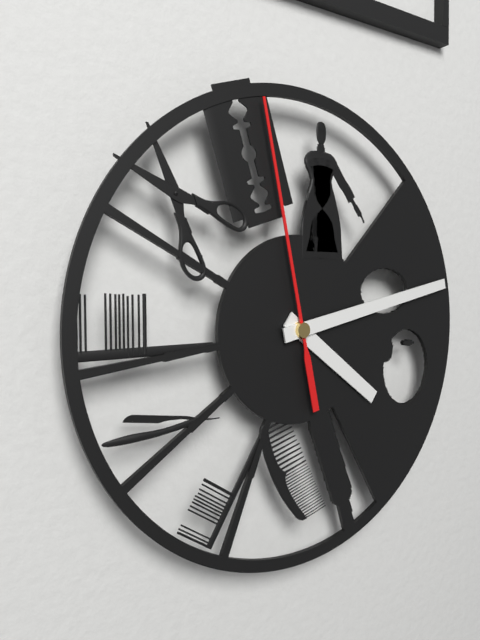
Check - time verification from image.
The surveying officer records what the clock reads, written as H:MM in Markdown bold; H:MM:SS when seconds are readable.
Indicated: **4:13:58**
